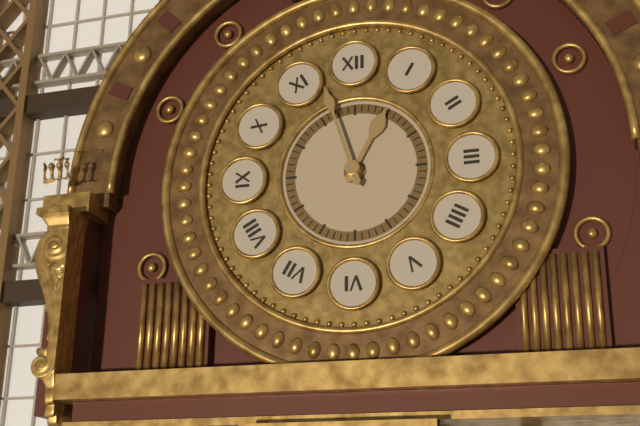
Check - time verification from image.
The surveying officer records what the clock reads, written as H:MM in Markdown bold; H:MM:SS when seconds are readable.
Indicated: **12:57**
